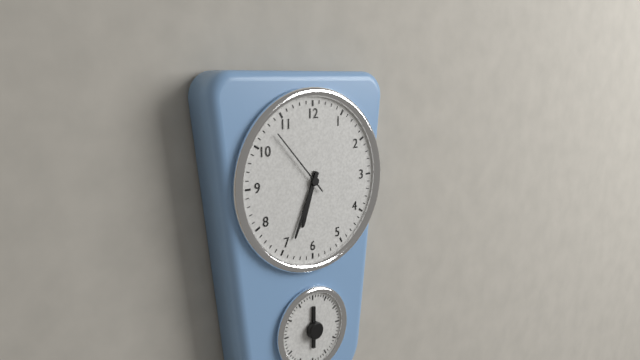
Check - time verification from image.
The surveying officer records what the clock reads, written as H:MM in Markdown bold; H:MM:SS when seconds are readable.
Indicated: **6:34:53**
